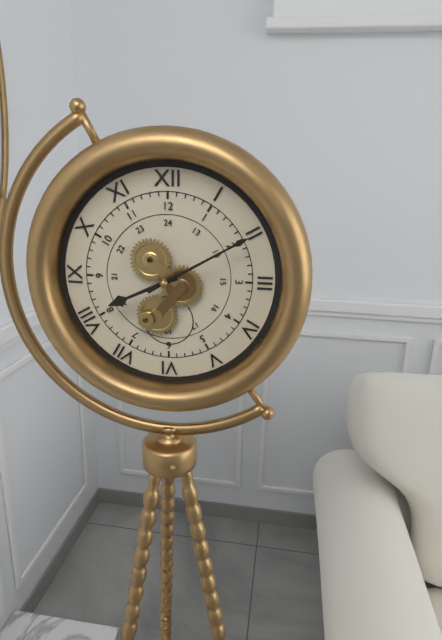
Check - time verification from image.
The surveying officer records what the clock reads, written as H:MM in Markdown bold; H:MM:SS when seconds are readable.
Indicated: **8:10**
